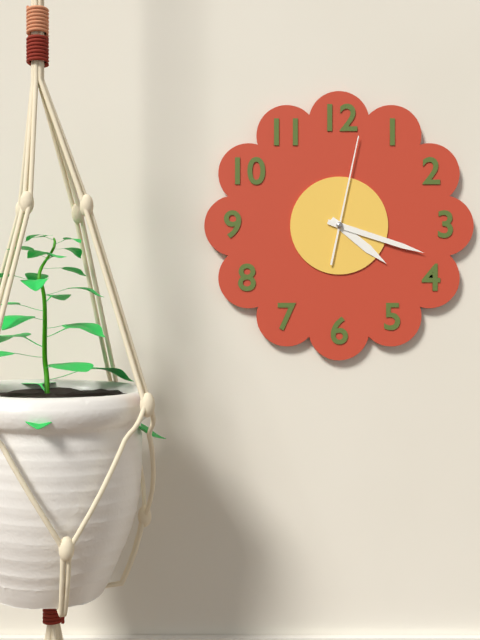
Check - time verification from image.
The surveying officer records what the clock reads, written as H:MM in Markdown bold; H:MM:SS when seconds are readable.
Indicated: **4:18:02**
